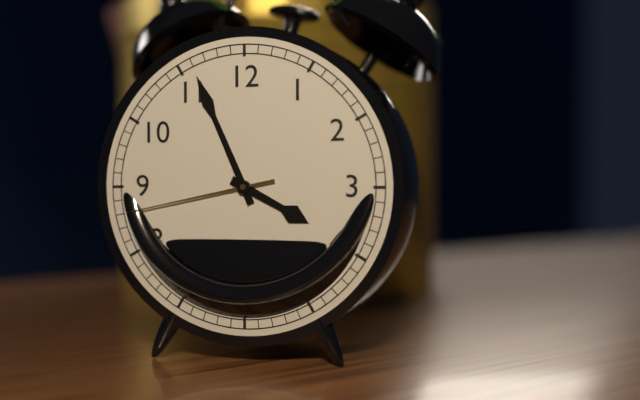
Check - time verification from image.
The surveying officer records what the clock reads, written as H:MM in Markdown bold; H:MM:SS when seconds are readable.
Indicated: **3:56:43**
